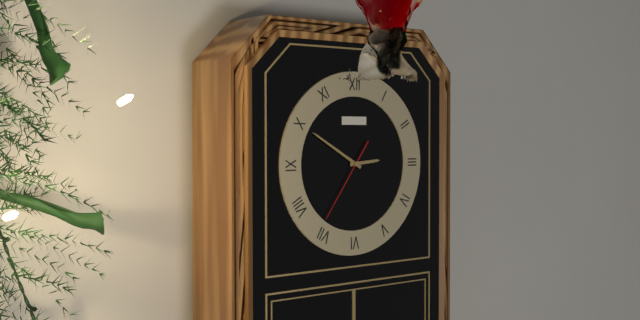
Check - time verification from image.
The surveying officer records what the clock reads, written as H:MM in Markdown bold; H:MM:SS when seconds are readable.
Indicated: **2:50:36**
